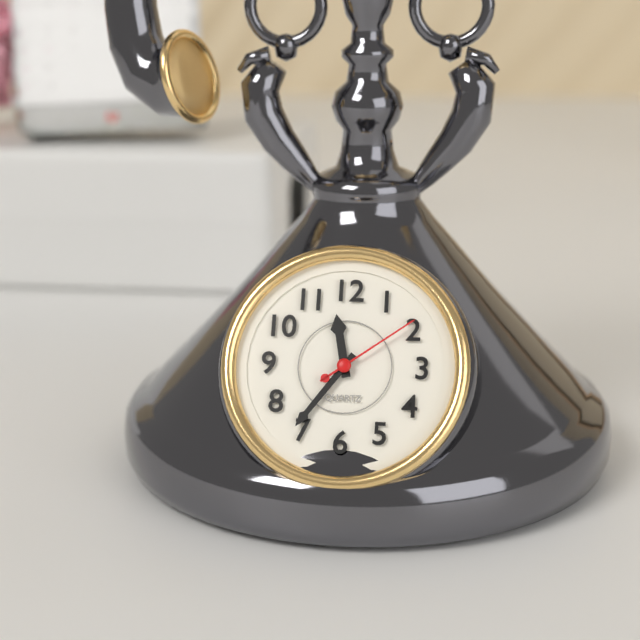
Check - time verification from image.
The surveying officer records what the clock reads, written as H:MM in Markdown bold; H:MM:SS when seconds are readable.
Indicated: **11:36:09**
